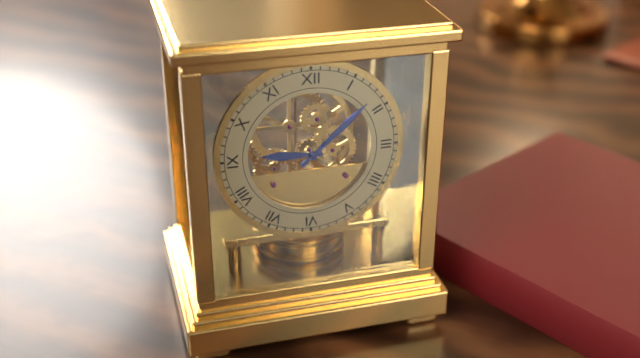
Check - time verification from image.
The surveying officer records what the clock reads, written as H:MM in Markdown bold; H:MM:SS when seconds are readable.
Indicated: **9:08**
